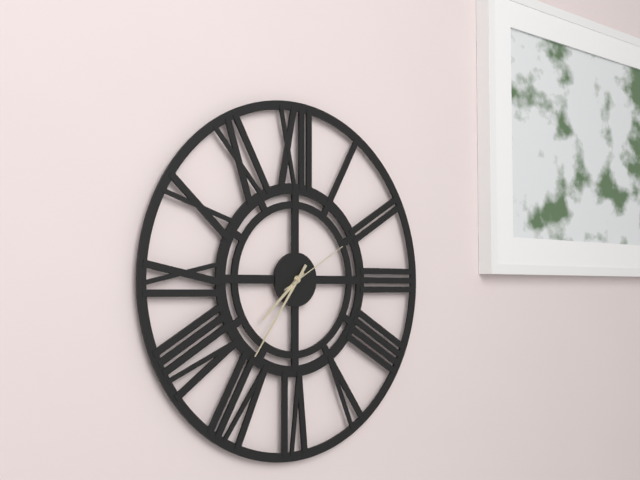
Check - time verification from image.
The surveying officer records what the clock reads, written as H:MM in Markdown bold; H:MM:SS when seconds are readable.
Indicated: **7:36:10**
